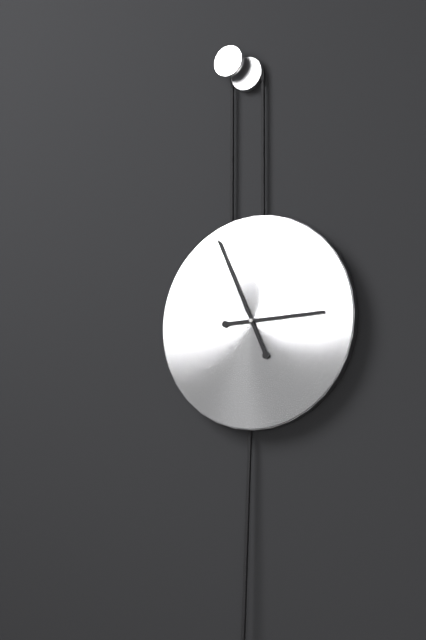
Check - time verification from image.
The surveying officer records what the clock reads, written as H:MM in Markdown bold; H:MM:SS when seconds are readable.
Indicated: **2:56**
